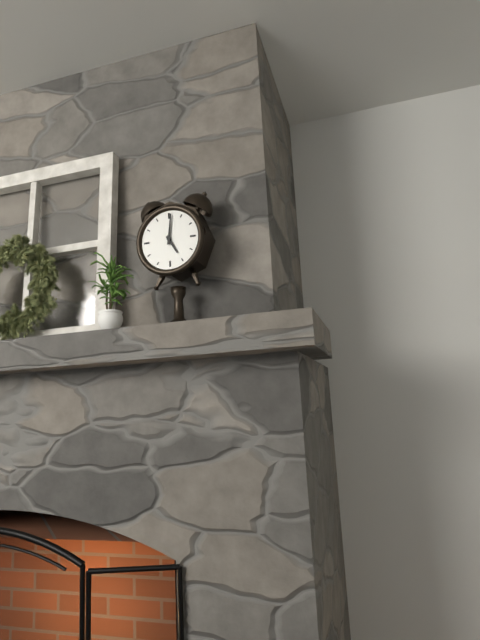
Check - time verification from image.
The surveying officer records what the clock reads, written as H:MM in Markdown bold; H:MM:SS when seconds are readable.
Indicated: **5:01**
